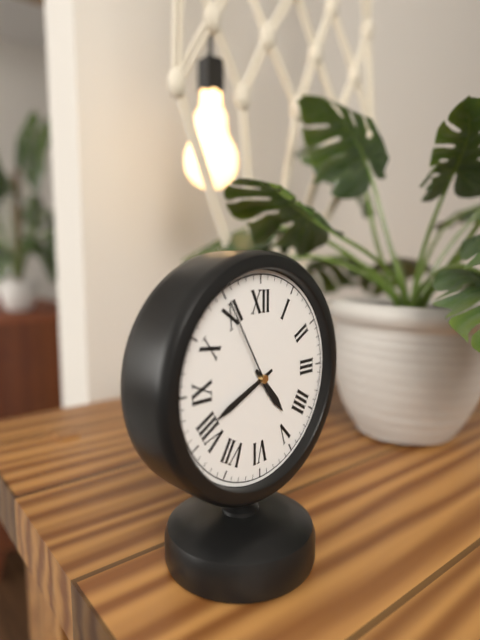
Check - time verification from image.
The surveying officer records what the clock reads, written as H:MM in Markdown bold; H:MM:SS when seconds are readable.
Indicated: **4:41:55**
